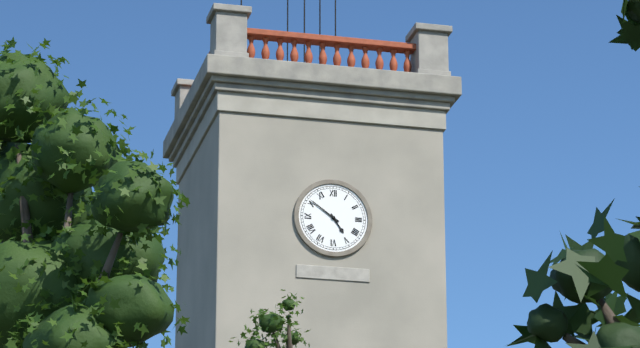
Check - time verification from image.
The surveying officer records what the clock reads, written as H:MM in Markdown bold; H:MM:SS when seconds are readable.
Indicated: **4:51**
